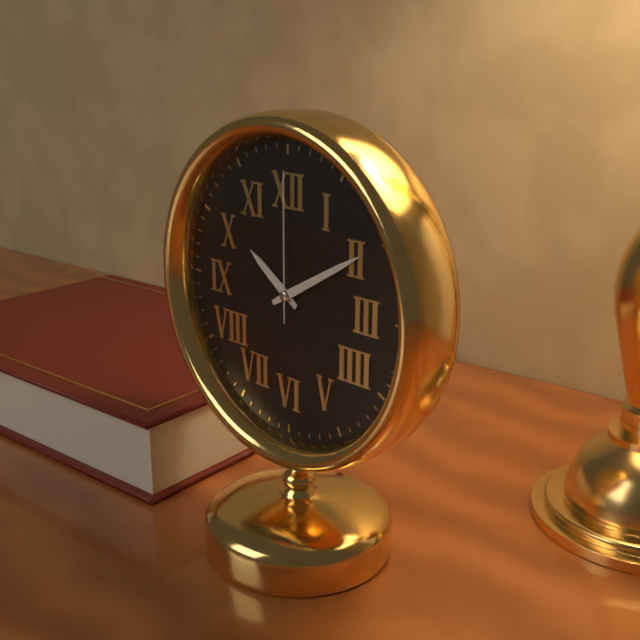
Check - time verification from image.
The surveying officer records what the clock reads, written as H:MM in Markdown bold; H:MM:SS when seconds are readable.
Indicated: **10:10:00**
